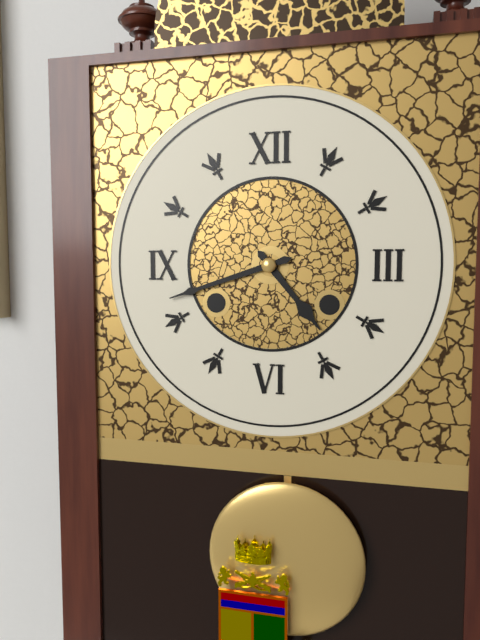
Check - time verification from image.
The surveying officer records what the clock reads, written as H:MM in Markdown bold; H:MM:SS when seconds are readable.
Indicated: **4:42**
